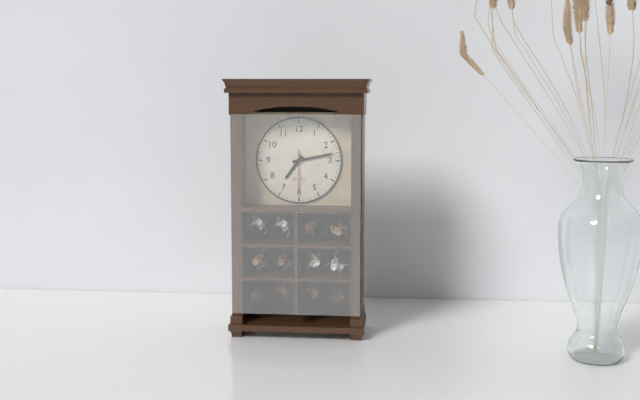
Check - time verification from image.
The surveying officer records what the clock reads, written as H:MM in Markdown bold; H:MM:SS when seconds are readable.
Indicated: **7:13**
